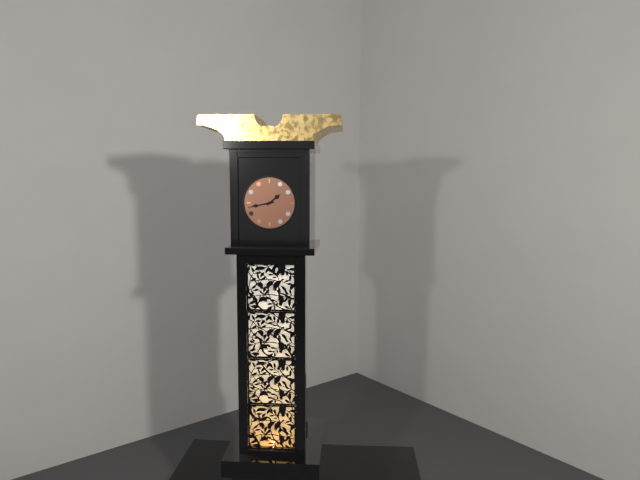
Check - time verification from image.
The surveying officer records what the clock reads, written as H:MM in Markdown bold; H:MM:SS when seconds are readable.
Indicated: **1:43**
